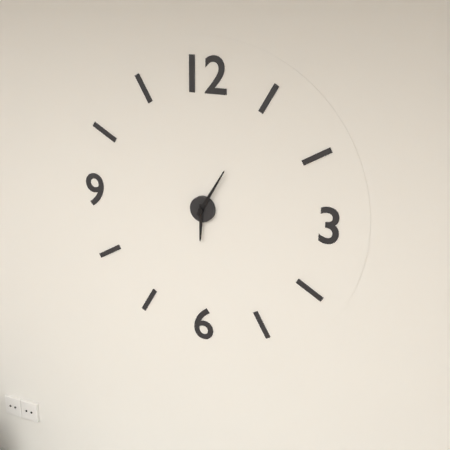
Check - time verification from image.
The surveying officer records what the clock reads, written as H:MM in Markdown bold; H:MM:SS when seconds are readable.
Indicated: **6:05**
